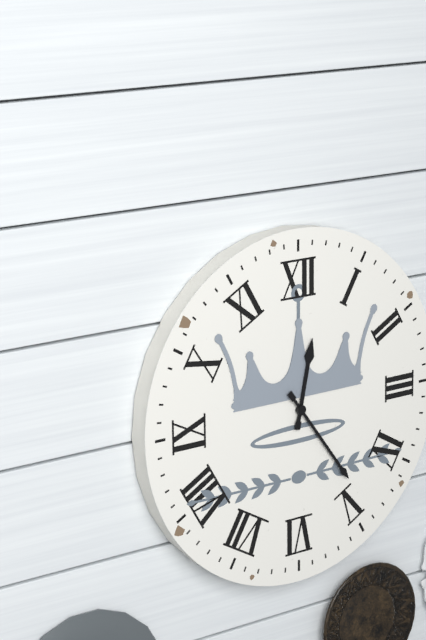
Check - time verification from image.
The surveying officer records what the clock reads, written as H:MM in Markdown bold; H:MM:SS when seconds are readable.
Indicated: **12:24**
